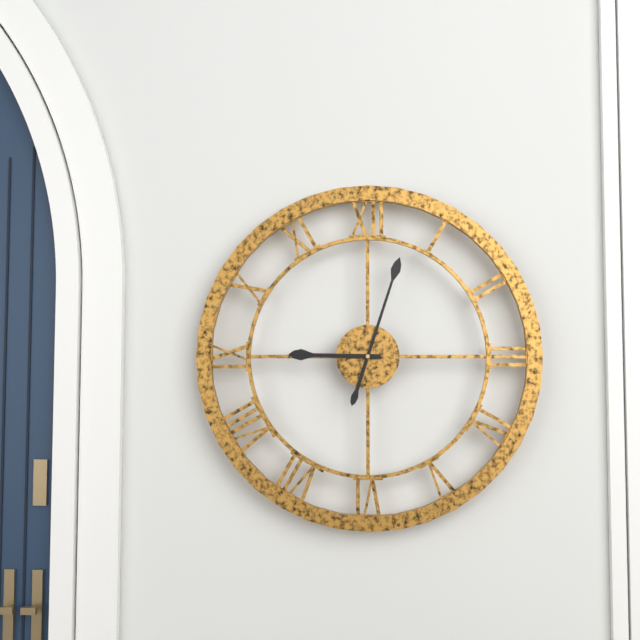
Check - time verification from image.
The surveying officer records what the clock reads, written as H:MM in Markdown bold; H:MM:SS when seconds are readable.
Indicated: **9:03**
